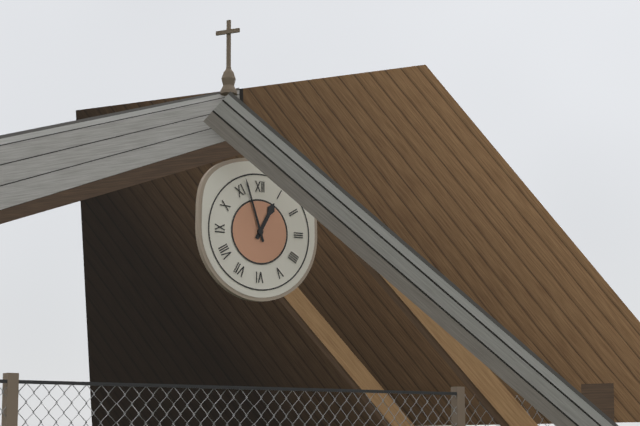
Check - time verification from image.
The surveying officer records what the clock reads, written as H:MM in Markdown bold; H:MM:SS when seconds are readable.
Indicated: **12:57**
